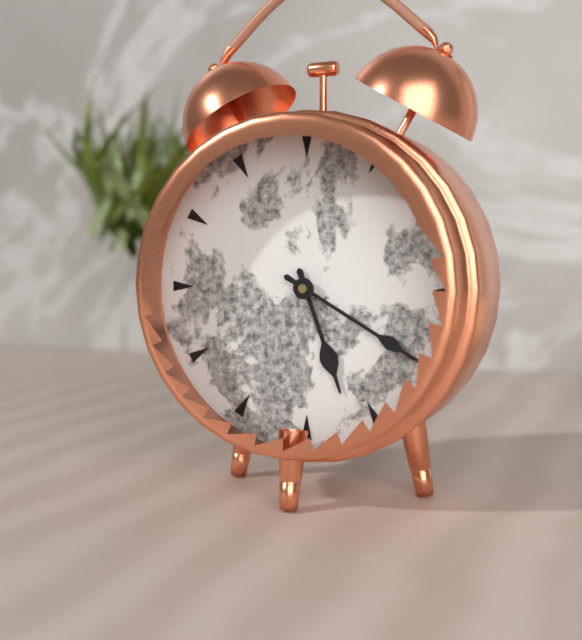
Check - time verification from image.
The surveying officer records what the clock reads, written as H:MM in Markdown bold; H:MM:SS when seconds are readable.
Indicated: **5:20**
